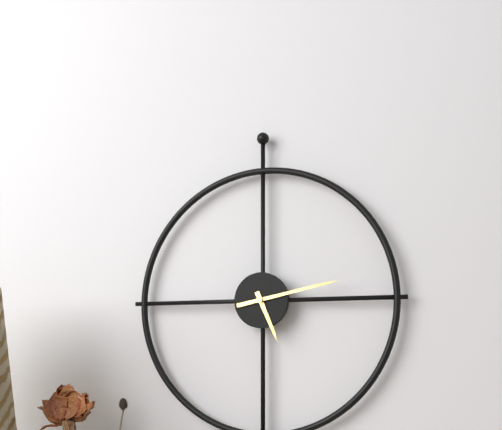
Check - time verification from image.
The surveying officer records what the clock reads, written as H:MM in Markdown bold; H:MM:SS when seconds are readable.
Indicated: **5:13**
